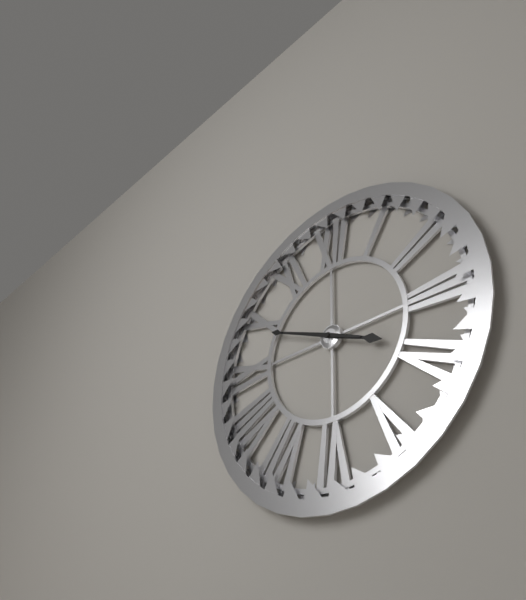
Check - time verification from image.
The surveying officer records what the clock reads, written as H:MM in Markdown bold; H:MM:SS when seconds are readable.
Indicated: **3:49**
